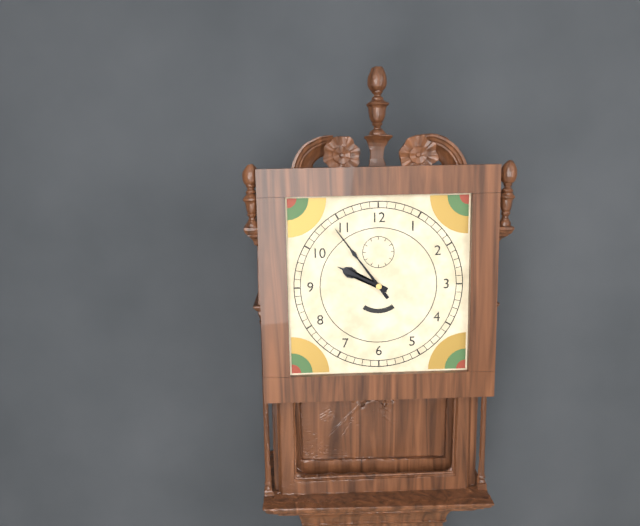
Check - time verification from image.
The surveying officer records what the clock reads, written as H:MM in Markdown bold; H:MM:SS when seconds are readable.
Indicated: **9:54**
